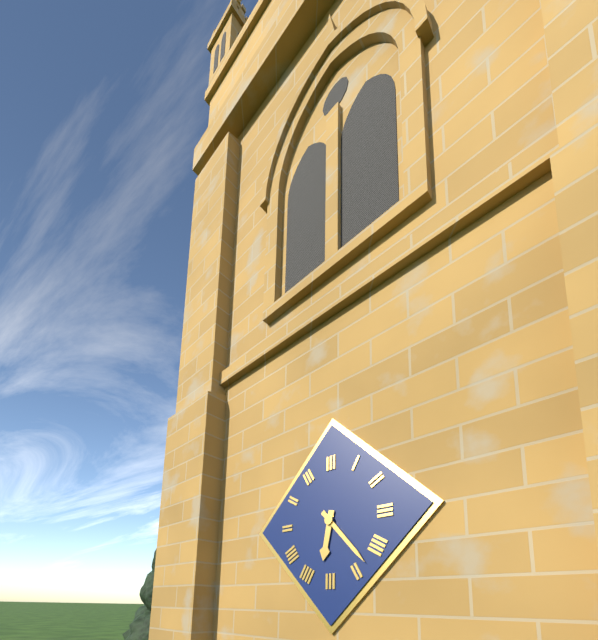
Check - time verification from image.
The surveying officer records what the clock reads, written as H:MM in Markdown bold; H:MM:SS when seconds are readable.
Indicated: **6:23**
